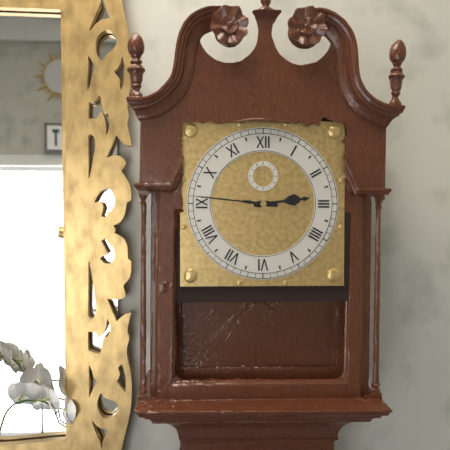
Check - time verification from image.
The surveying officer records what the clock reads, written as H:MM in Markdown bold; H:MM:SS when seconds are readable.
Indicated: **2:46**
